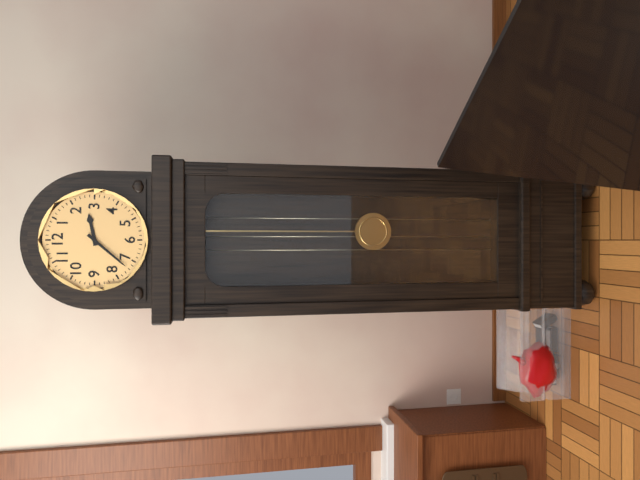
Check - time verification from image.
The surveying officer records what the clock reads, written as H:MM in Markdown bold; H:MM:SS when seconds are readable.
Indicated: **2:37**
